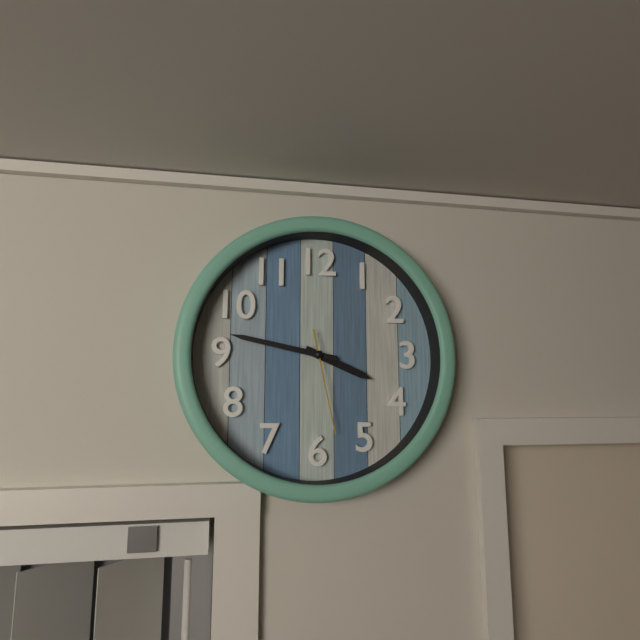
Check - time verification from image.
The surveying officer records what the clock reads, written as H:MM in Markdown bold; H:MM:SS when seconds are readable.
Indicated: **3:47:28**
